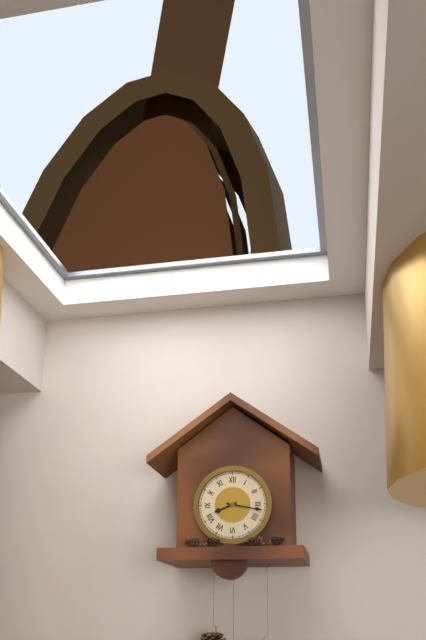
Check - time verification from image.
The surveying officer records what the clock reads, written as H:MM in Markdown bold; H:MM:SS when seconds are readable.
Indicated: **8:17**
